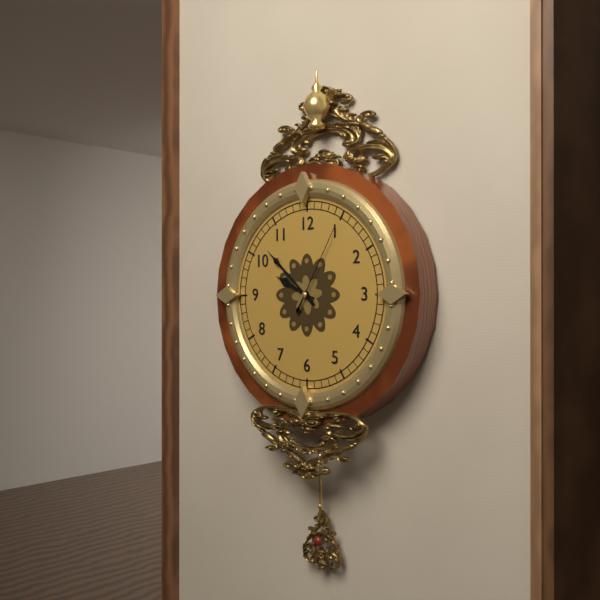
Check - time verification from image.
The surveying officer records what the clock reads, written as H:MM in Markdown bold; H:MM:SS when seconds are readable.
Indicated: **9:52:05**
